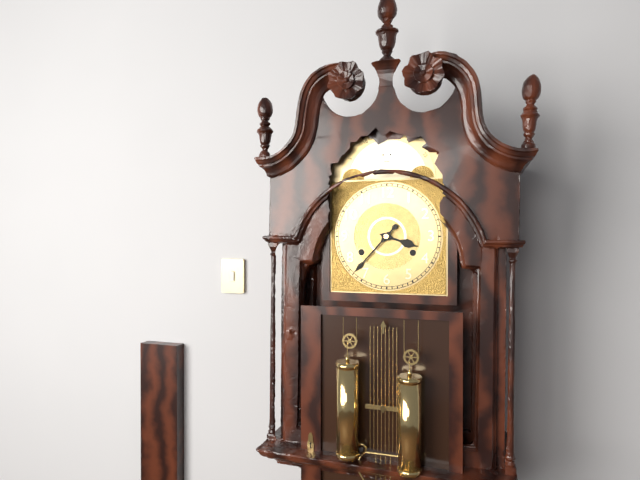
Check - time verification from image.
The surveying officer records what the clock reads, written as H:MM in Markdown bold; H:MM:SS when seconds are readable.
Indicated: **3:37**
